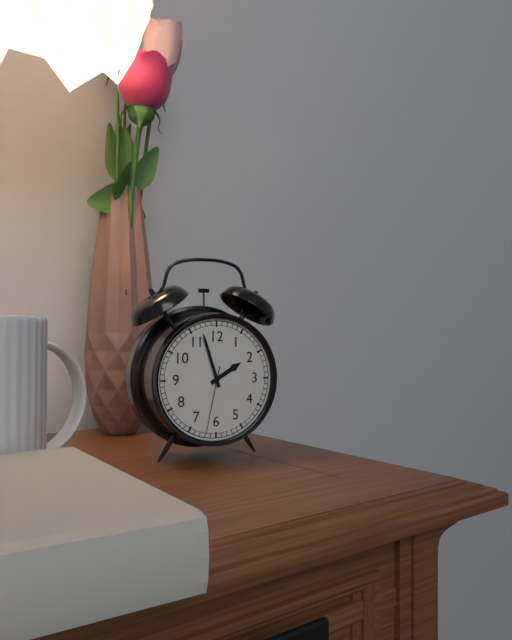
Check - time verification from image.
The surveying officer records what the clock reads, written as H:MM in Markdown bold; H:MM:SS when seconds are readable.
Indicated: **1:57:32**
